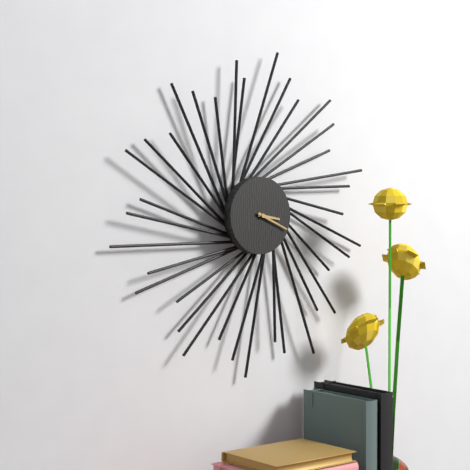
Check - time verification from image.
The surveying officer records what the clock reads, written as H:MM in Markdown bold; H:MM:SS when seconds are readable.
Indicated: **3:19**
